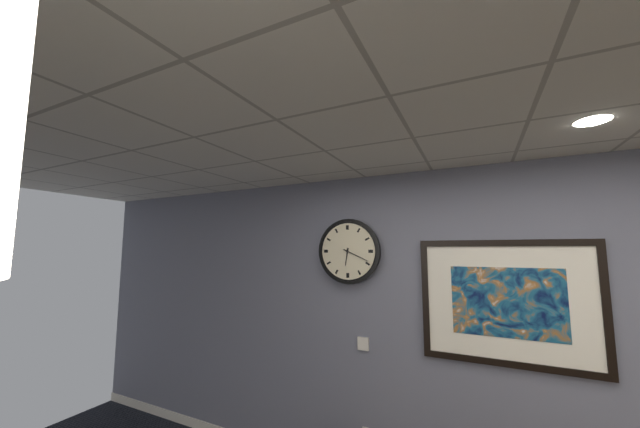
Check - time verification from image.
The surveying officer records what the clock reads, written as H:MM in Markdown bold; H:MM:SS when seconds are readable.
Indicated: **6:19**
